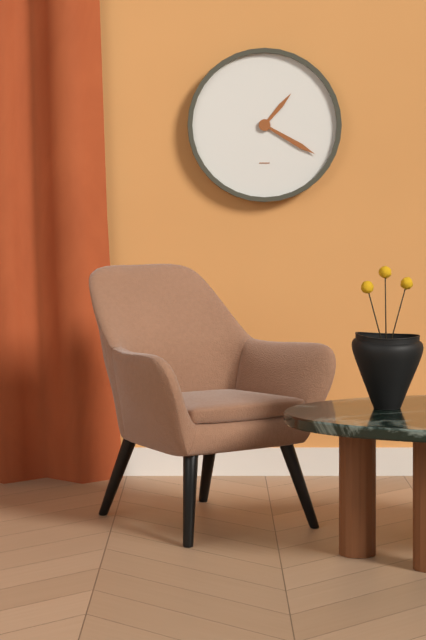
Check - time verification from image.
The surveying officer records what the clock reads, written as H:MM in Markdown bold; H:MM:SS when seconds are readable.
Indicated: **1:20**
